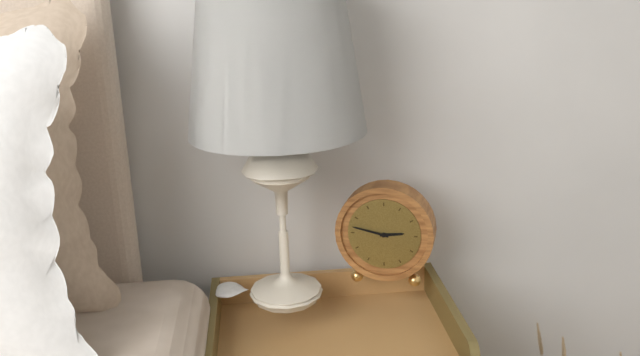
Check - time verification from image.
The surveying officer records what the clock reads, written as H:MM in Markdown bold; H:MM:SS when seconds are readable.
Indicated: **2:47**
